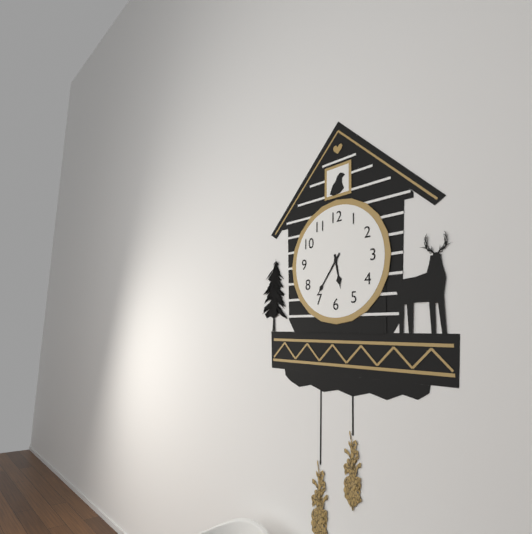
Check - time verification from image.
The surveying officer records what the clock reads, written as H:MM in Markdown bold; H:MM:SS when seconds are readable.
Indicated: **5:36**
